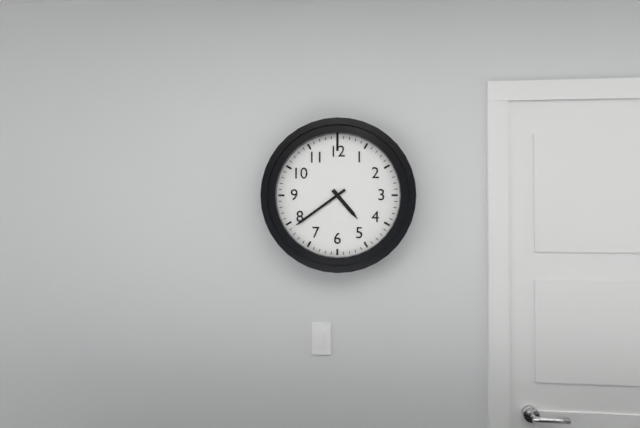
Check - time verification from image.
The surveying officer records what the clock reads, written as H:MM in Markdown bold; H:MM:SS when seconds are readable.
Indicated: **4:39**
